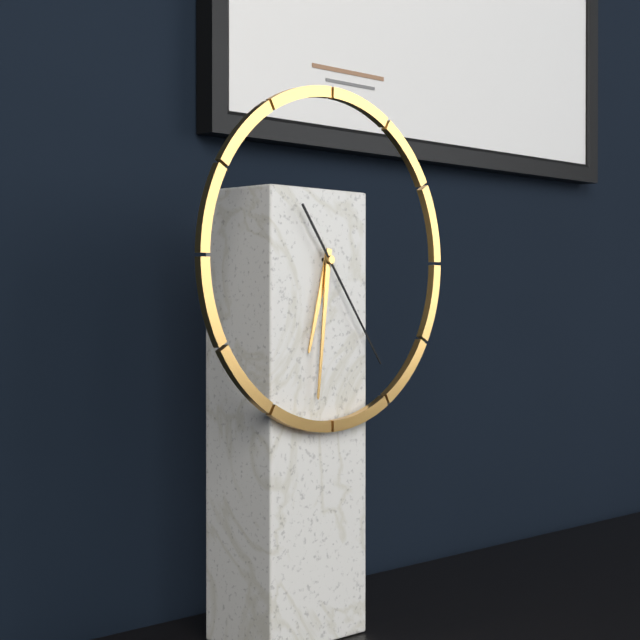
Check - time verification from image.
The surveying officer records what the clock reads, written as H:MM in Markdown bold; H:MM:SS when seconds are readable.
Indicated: **6:31:24**
